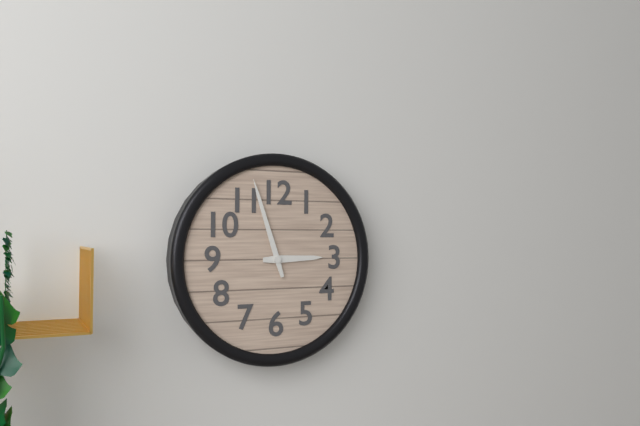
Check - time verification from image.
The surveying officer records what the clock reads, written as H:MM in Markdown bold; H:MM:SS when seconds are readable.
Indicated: **2:57**
